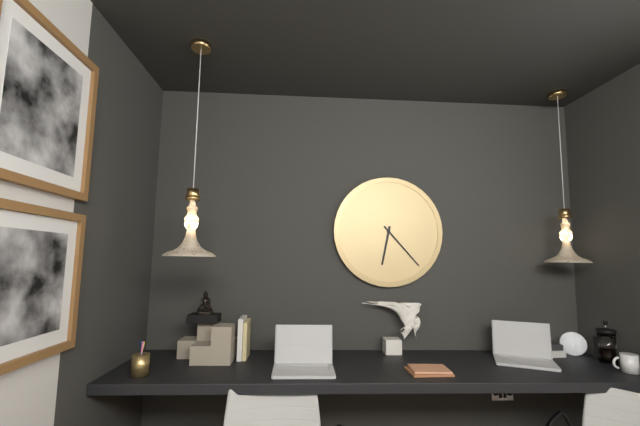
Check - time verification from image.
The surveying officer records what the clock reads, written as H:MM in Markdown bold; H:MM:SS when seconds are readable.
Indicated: **6:23**
